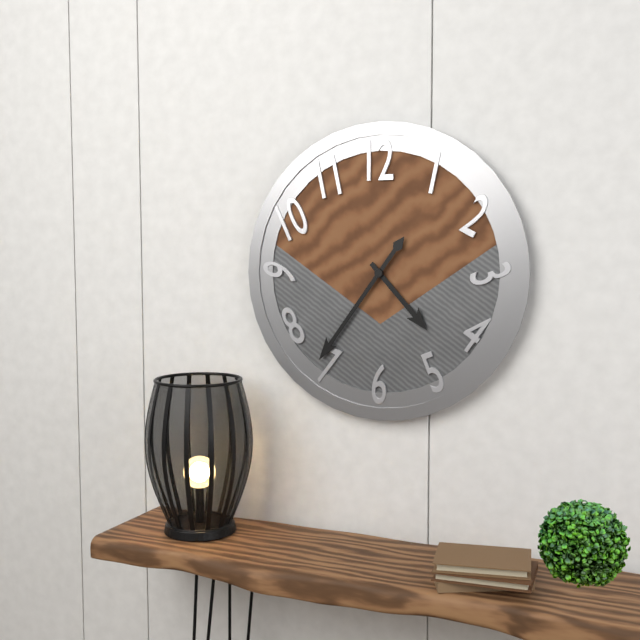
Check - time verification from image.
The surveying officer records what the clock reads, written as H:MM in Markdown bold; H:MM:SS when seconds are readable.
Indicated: **4:36**
